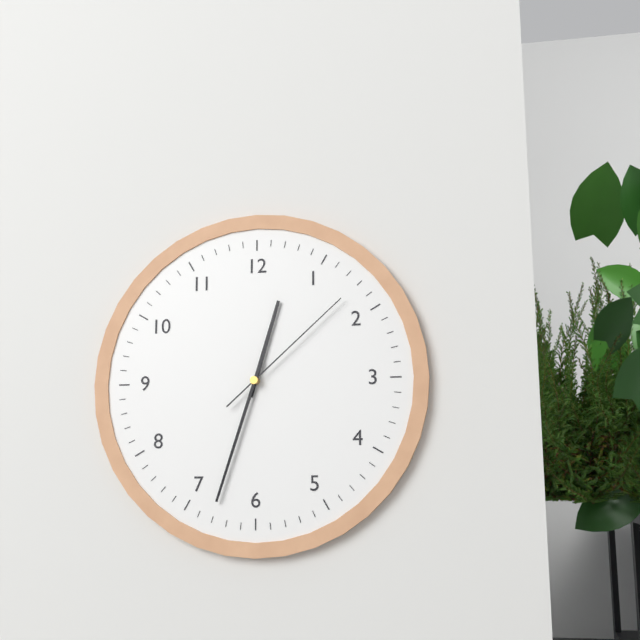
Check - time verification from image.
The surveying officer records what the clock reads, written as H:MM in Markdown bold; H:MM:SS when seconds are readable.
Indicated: **12:33:08**
